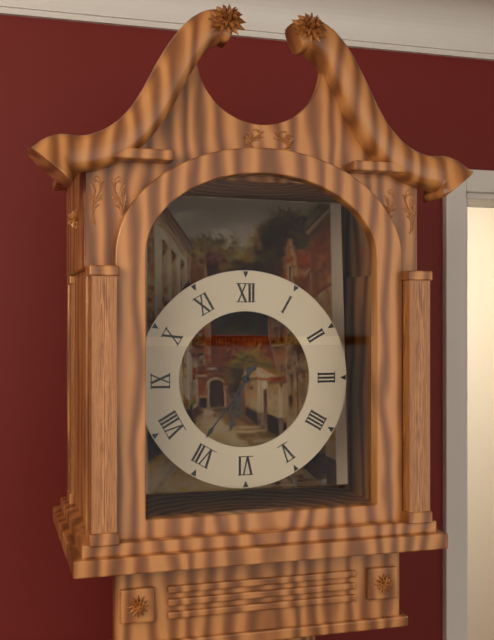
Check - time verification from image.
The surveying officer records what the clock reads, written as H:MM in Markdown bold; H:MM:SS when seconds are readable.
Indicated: **6:36**
